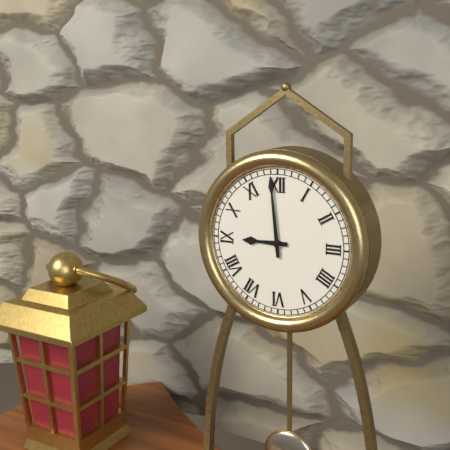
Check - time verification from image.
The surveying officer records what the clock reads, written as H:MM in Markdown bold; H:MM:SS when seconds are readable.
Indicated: **8:59**
